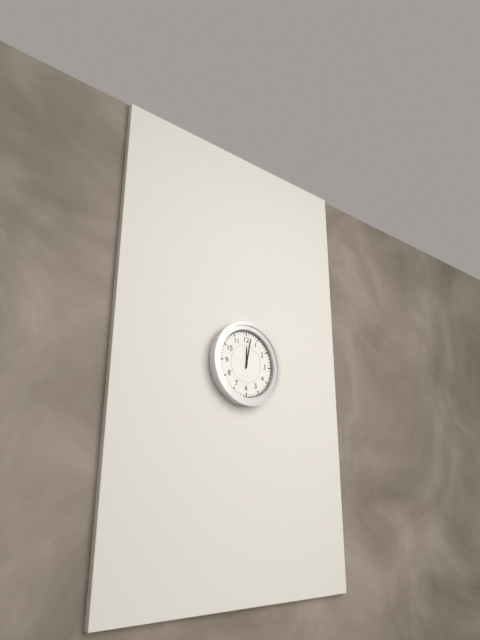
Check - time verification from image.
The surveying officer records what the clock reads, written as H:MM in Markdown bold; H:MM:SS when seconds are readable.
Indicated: **12:02**
